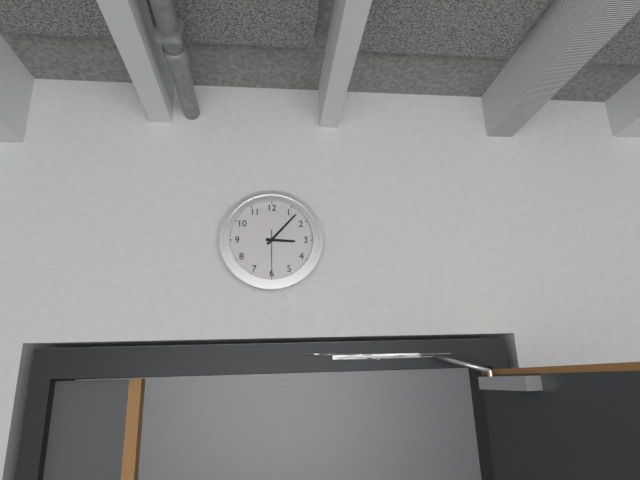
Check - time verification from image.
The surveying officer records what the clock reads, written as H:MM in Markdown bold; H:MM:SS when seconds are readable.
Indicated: **3:07:30**
